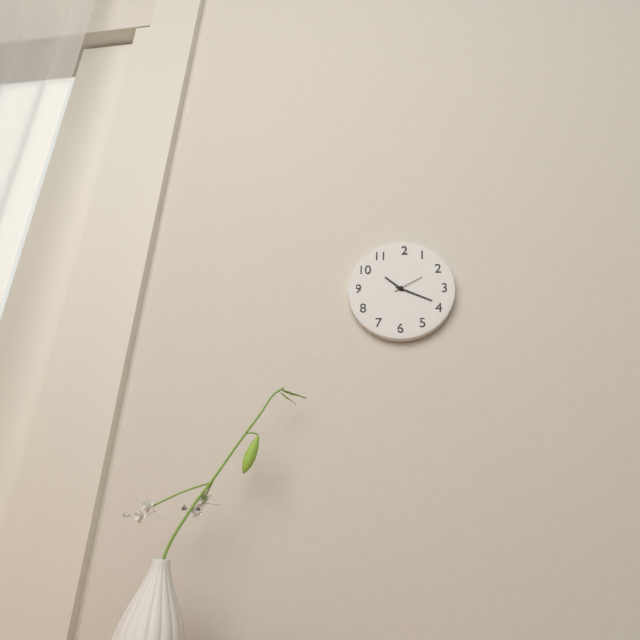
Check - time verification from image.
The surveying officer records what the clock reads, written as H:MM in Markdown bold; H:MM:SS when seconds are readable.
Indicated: **10:19**
